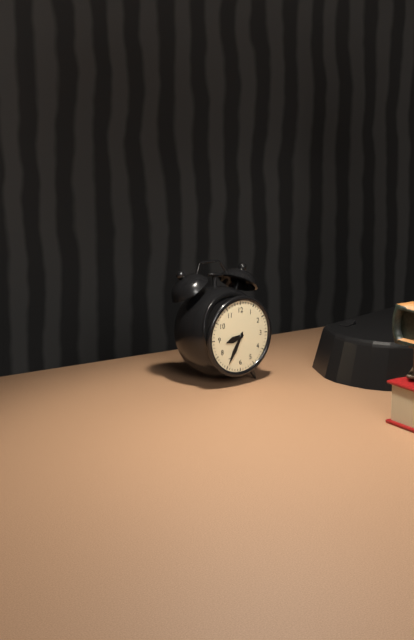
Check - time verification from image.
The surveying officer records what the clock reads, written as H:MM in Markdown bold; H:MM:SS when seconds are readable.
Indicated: **8:35**
